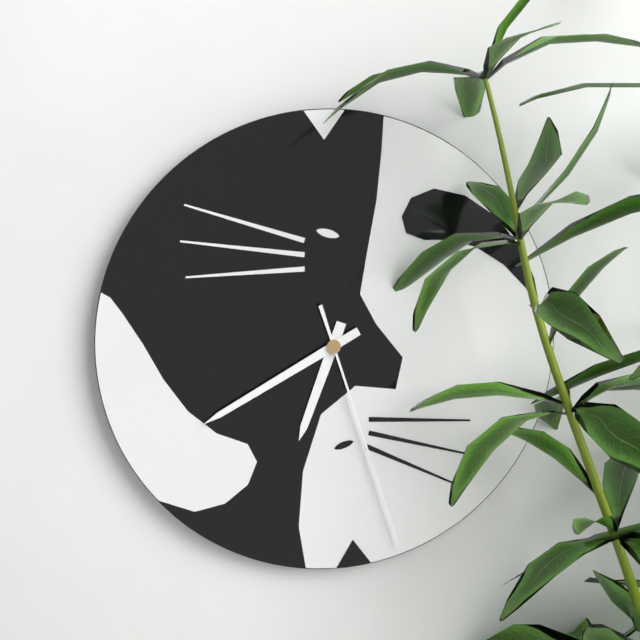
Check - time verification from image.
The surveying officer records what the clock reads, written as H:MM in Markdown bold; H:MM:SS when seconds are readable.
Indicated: **6:40:27**
